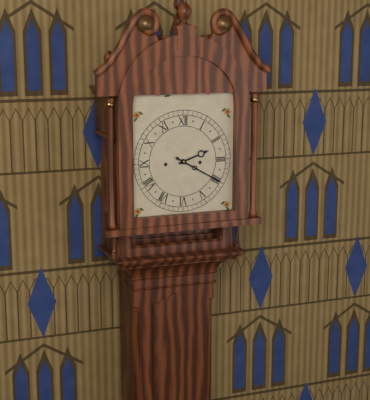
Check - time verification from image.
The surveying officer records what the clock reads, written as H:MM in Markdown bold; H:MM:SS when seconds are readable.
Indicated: **2:20**
